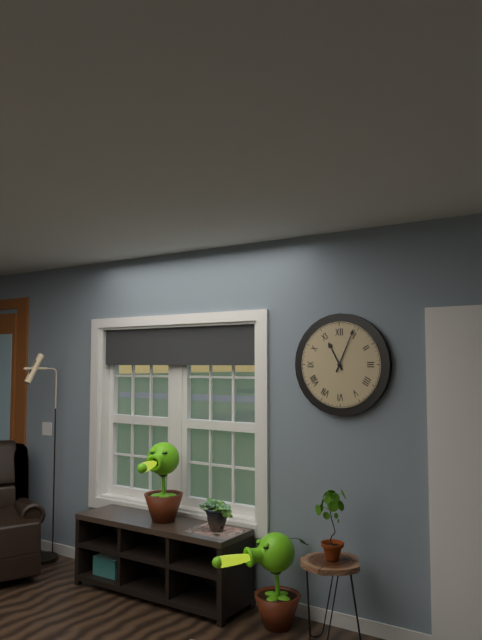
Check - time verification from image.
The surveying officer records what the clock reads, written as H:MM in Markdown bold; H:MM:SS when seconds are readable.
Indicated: **11:04**
